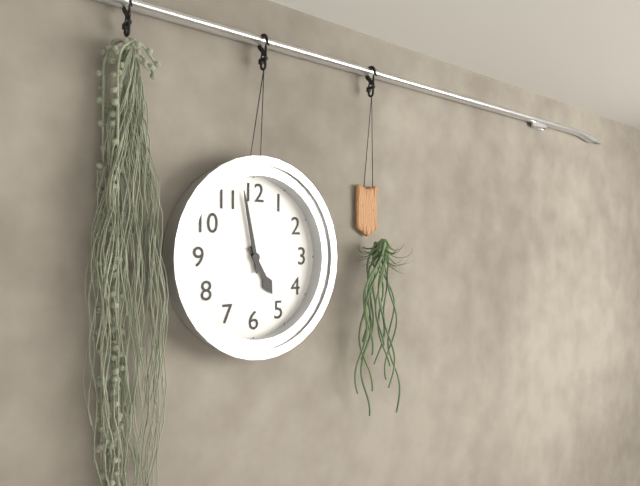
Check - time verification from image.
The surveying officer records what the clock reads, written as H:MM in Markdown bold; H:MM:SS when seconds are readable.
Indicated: **4:58**
